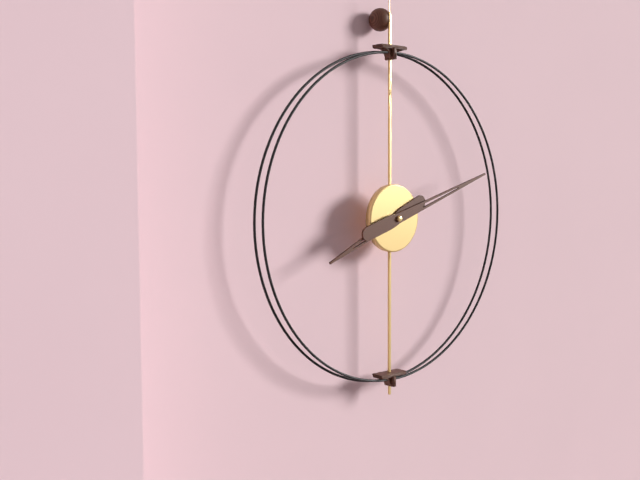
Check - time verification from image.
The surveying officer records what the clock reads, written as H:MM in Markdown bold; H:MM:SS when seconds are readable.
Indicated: **8:12**
